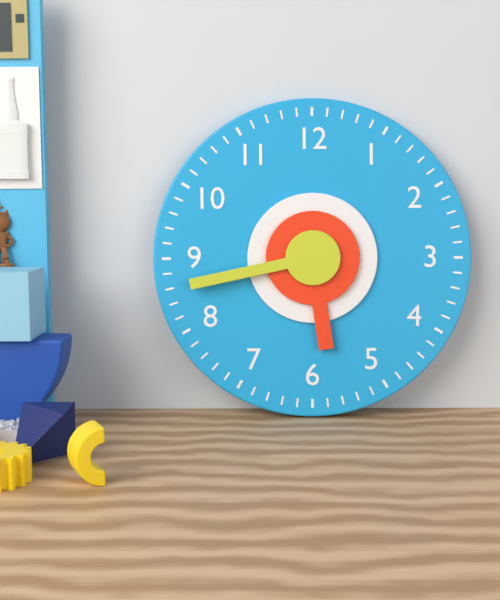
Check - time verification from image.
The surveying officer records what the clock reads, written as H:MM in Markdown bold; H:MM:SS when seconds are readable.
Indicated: **5:43**
